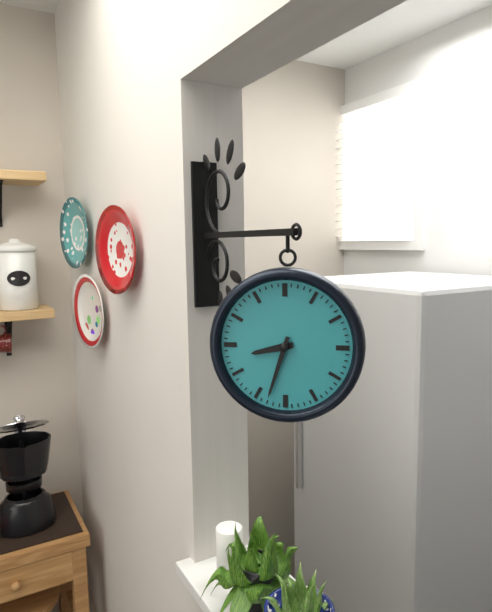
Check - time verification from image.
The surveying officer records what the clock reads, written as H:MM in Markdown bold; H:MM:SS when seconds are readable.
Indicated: **8:33**
